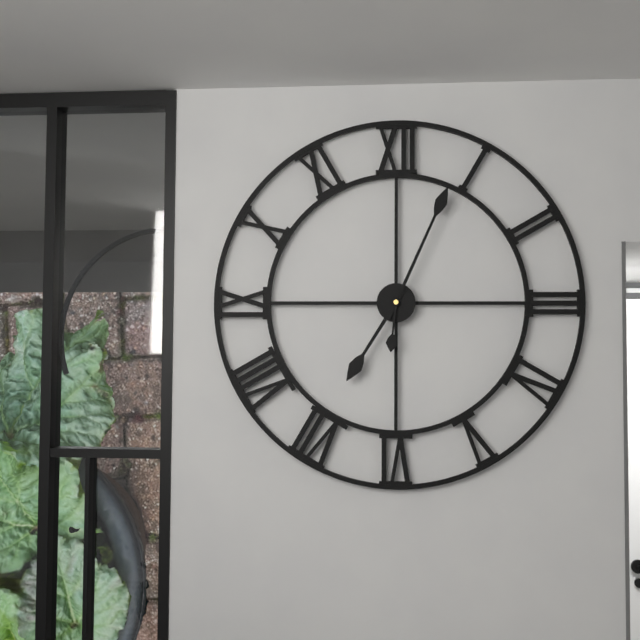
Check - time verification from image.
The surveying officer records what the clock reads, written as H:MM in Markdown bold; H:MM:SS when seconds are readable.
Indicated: **7:04:31**
